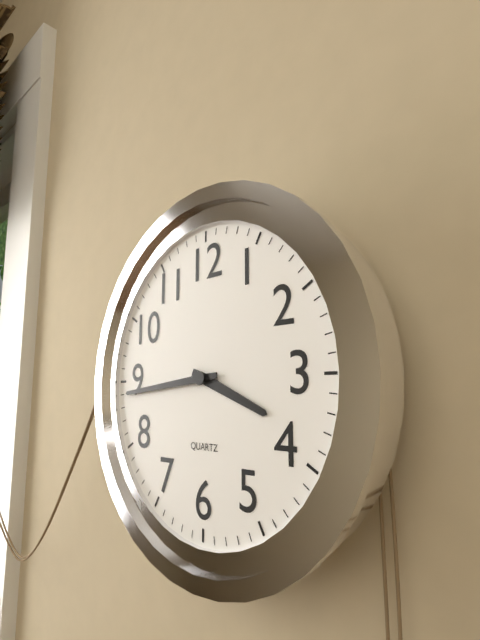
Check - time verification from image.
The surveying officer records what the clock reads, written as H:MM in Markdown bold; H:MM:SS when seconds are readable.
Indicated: **3:44**
